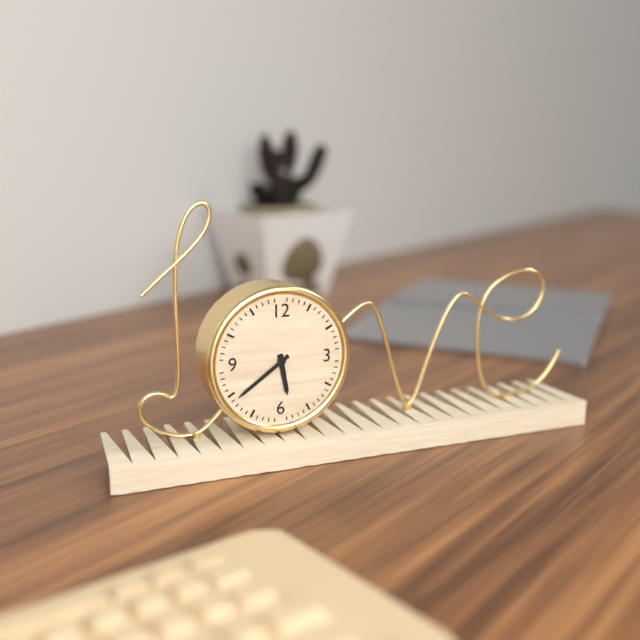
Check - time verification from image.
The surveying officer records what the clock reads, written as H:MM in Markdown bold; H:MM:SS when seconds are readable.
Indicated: **5:39**
